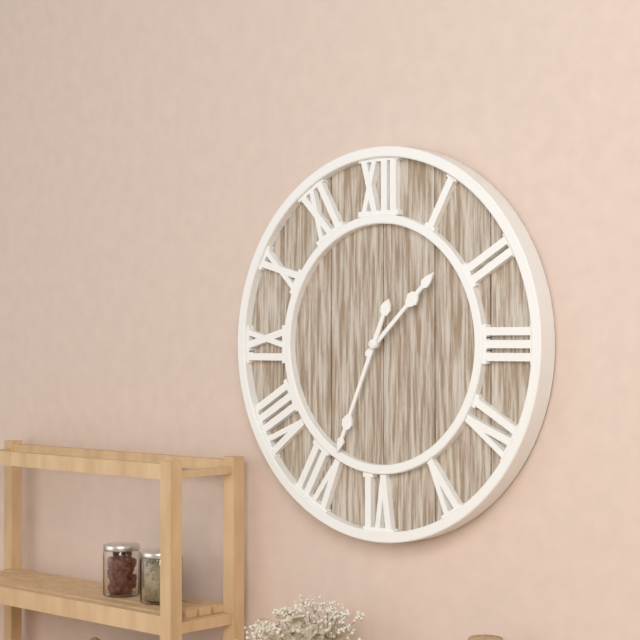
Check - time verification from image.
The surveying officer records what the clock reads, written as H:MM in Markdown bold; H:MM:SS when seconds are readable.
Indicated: **1:34**
